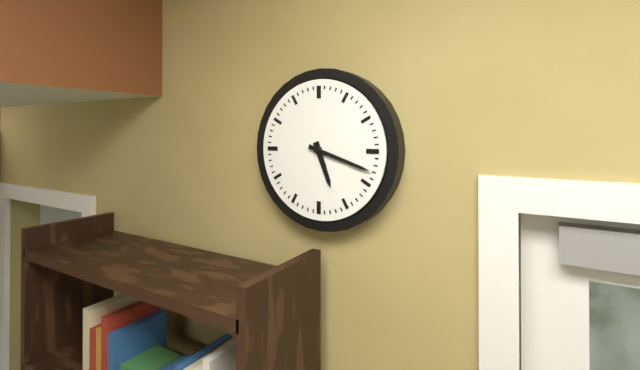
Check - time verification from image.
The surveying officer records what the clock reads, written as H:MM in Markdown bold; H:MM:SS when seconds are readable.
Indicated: **5:18**
